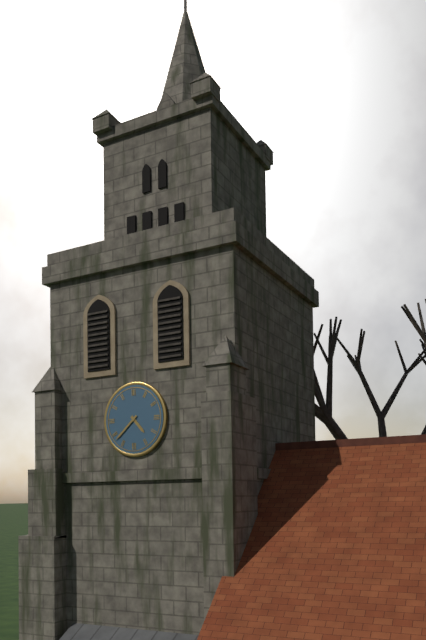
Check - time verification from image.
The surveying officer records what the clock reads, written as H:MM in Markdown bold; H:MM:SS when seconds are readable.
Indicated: **4:38**
